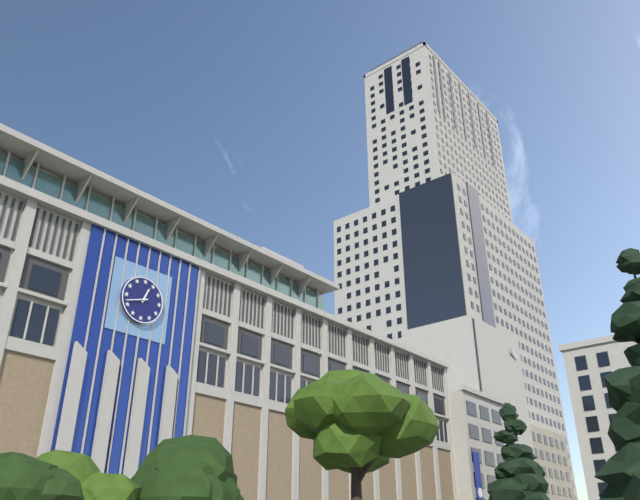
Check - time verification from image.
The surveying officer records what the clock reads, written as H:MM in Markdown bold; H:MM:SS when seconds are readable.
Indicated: **12:42**
